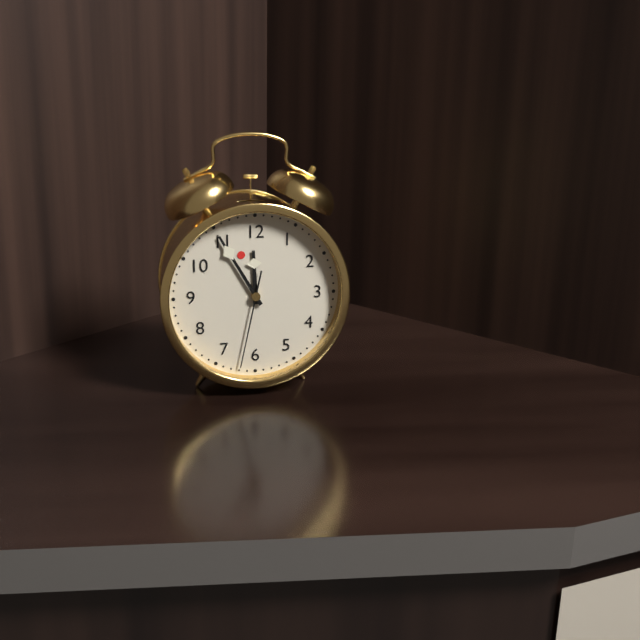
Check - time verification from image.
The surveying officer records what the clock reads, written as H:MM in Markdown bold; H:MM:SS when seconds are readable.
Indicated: **11:55:32**
